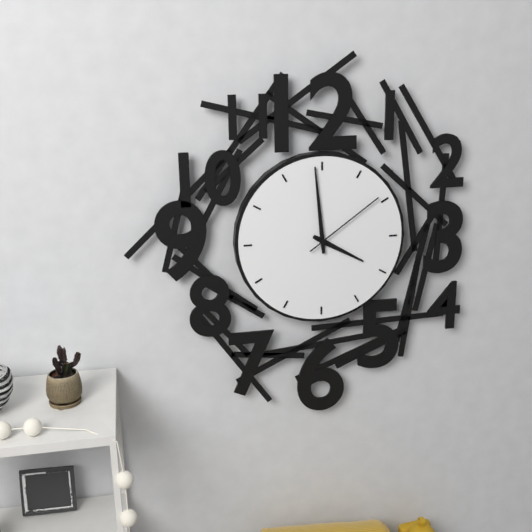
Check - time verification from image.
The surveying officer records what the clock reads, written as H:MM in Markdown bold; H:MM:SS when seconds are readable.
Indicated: **3:59:09**
